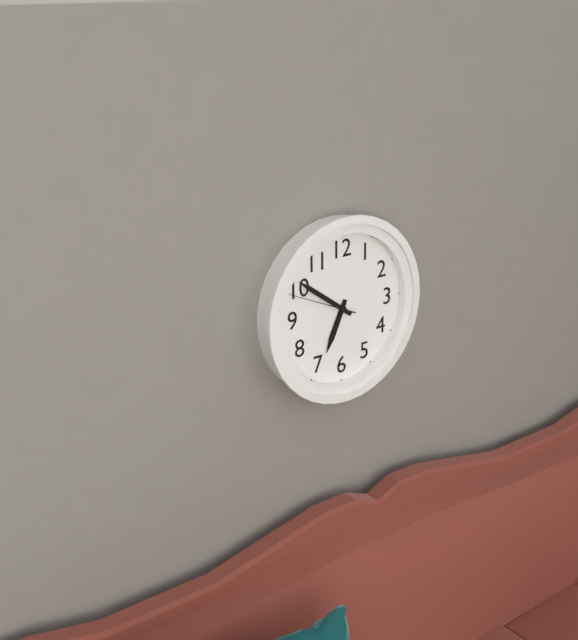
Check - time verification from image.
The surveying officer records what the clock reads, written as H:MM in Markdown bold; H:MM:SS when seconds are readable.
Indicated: **6:51:49**
